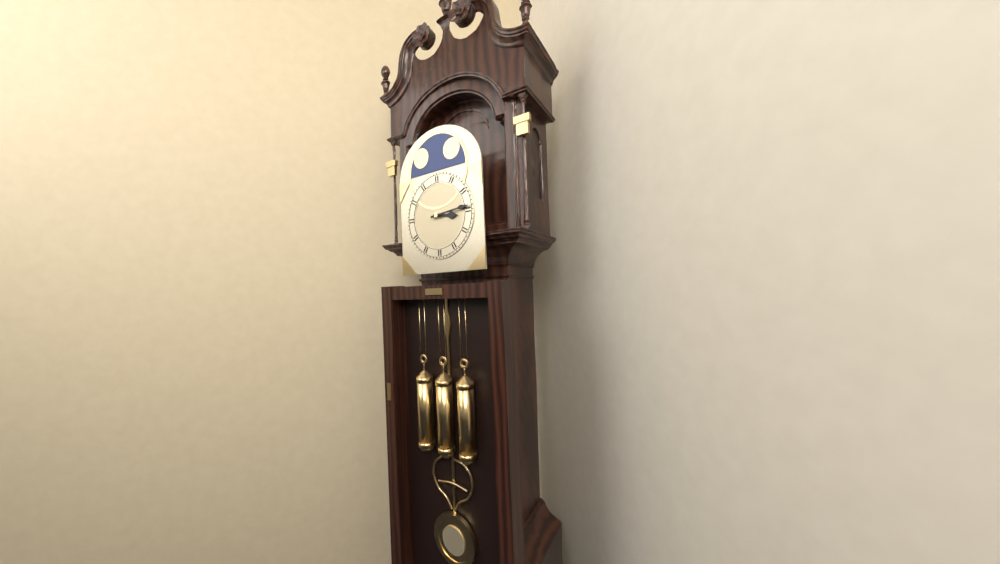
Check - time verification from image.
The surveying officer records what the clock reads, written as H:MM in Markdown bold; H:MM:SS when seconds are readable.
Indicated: **3:14**
